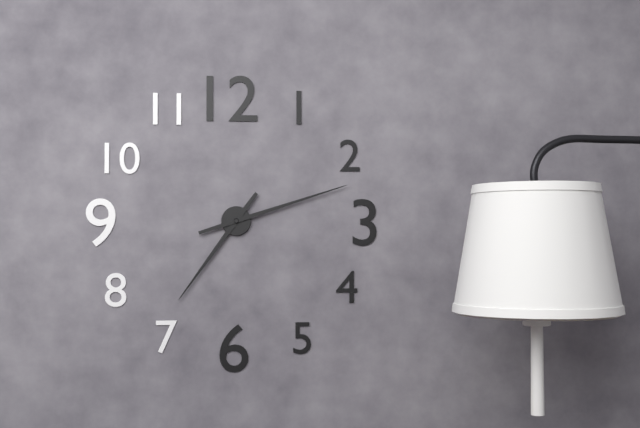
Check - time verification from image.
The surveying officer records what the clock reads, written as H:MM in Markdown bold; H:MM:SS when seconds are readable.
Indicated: **7:12**
